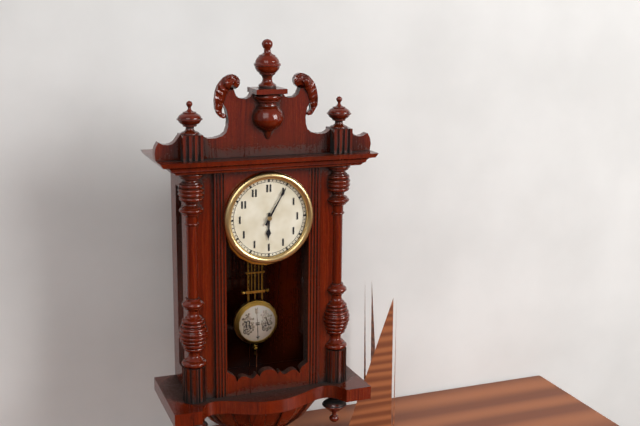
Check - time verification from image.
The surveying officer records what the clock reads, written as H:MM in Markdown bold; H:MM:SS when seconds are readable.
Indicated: **6:05**
